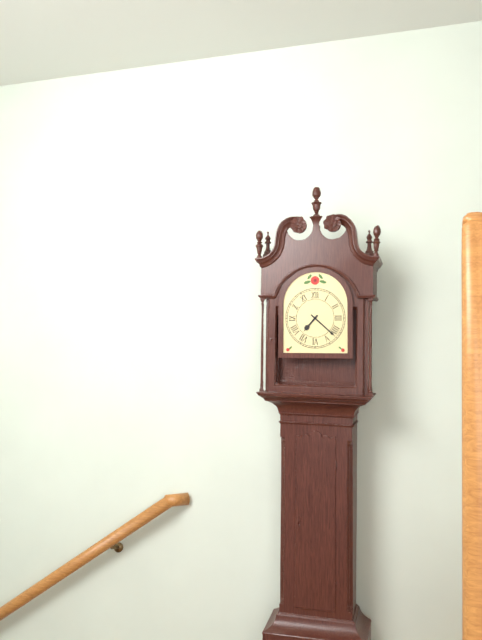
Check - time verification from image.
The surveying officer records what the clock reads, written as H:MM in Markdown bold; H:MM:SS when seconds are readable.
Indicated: **7:22**
